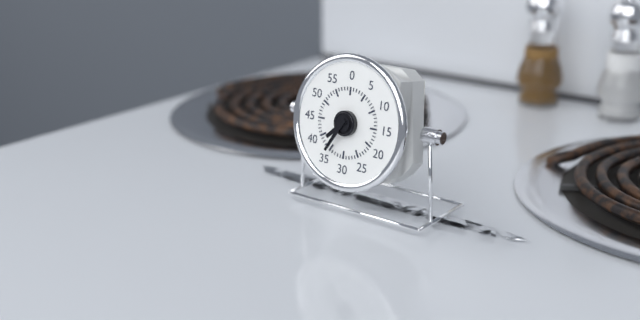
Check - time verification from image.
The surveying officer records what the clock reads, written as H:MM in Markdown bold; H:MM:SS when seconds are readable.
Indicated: **7:35**
